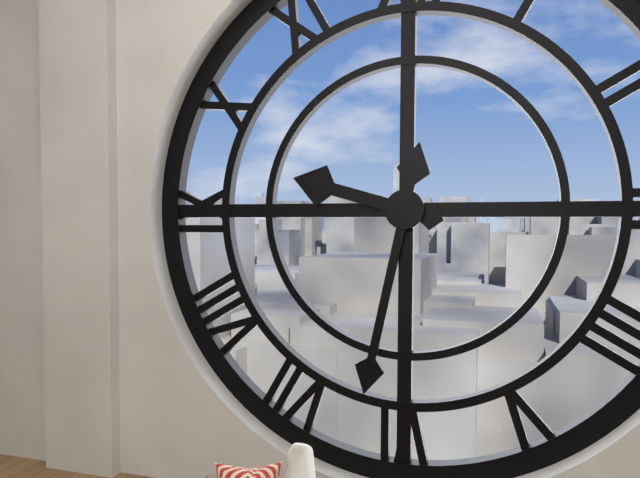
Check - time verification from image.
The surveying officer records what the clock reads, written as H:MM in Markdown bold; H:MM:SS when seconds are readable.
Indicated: **9:32**
